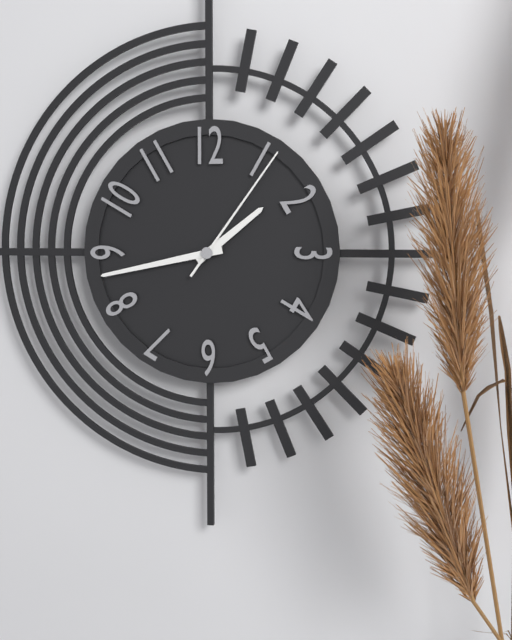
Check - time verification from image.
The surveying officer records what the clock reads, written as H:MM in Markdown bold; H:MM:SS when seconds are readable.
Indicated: **1:43:06**
